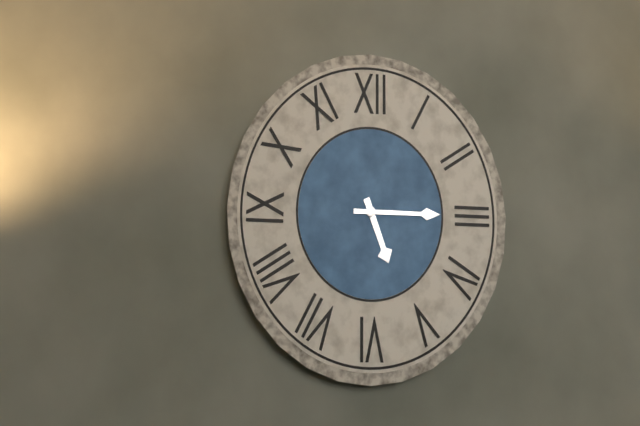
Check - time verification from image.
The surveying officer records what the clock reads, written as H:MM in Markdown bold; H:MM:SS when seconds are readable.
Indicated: **5:15**
